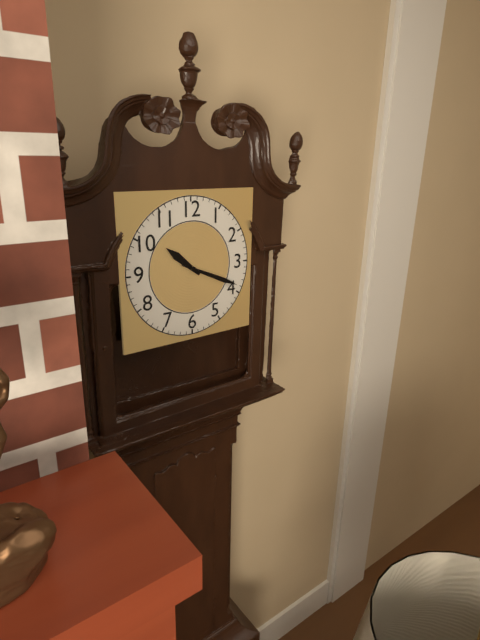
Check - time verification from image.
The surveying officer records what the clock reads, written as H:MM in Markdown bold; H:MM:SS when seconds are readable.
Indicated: **10:19**
